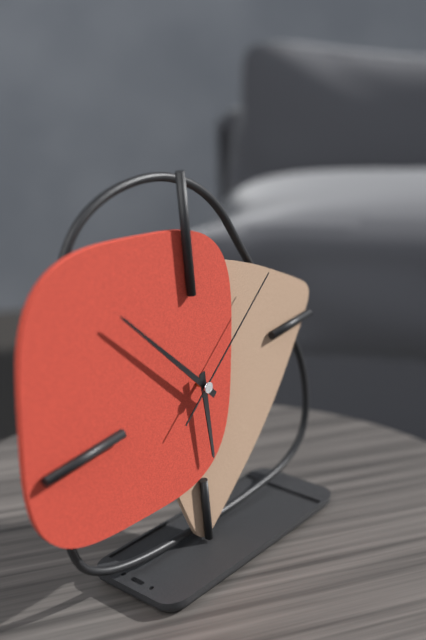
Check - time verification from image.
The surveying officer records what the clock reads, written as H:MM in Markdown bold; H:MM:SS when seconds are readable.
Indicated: **5:53:09**
